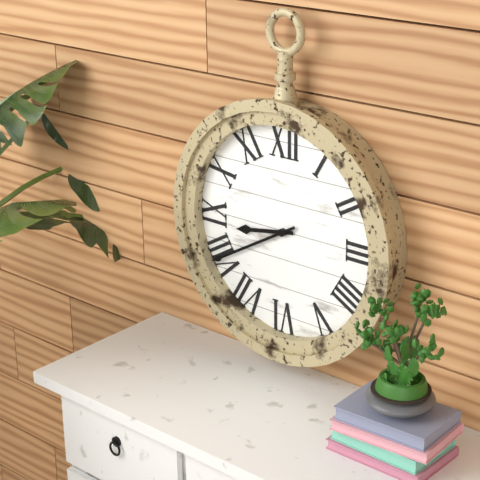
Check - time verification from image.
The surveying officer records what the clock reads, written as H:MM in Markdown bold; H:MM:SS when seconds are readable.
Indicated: **8:40**
